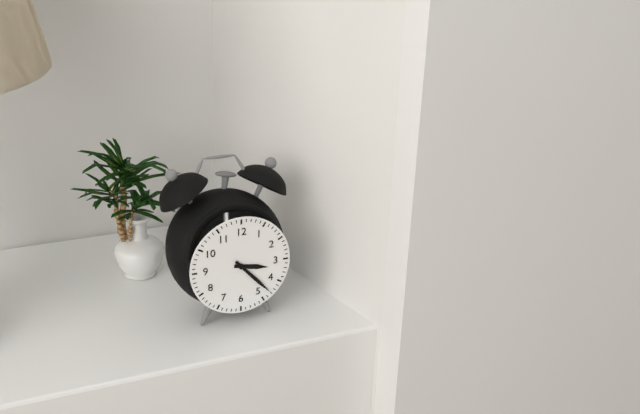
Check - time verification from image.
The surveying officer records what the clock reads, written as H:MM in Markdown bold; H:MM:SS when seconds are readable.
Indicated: **3:23**
